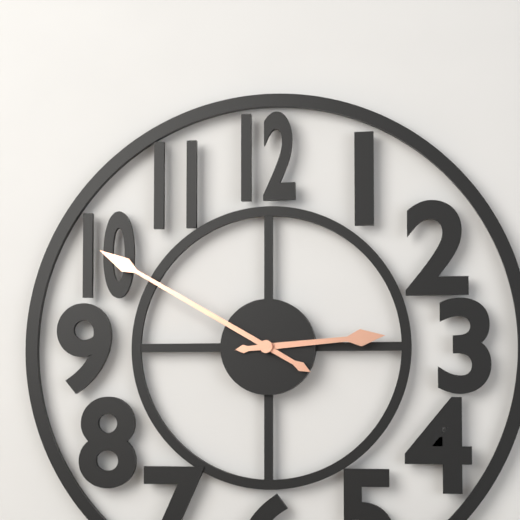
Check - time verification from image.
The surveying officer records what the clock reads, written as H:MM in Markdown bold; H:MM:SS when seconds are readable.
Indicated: **2:50**
